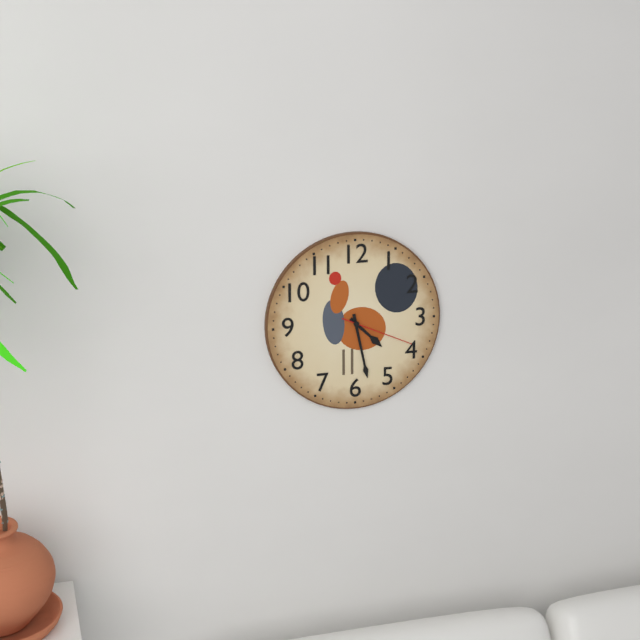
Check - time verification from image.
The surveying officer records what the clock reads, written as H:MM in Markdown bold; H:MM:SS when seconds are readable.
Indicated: **4:28:19**
